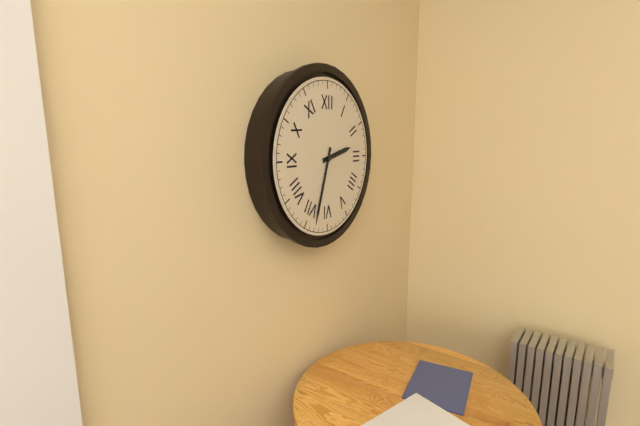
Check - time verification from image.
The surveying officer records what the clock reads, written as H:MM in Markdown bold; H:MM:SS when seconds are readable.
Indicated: **2:33**
